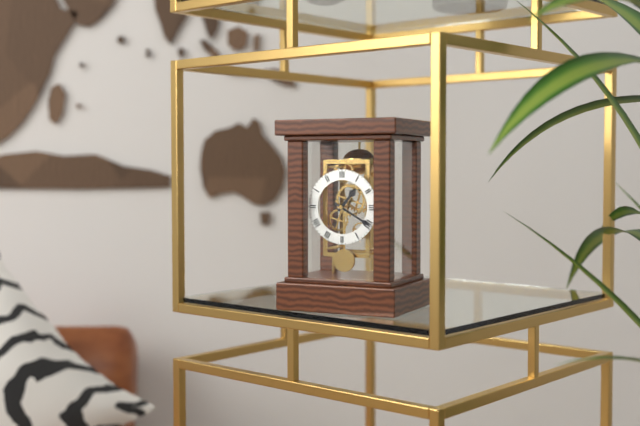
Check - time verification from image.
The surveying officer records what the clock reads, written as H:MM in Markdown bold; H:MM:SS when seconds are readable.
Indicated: **1:20**
